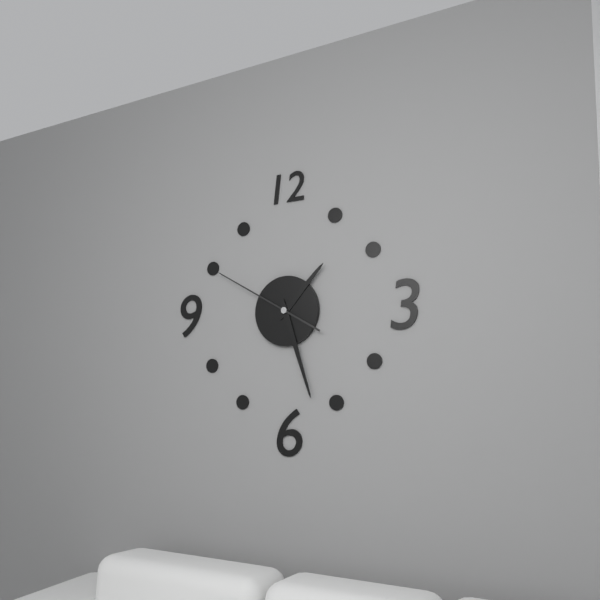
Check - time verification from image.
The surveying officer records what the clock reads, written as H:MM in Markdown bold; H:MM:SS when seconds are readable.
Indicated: **1:27:50**
